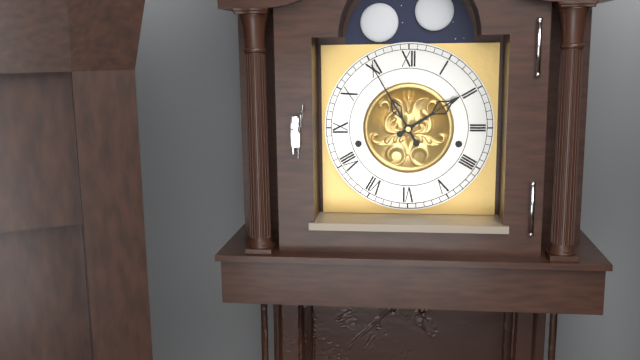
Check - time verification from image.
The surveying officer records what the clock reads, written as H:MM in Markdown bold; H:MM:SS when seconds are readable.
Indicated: **1:55**
